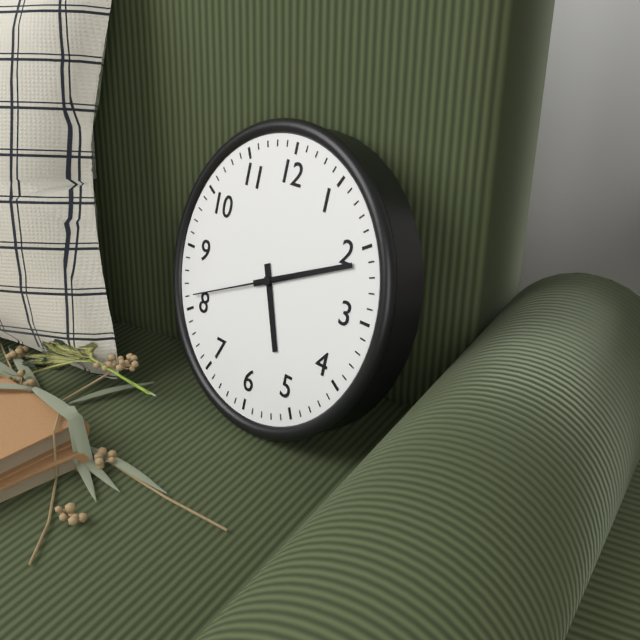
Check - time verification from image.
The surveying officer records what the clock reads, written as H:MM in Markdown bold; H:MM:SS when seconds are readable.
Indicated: **5:11:41**
